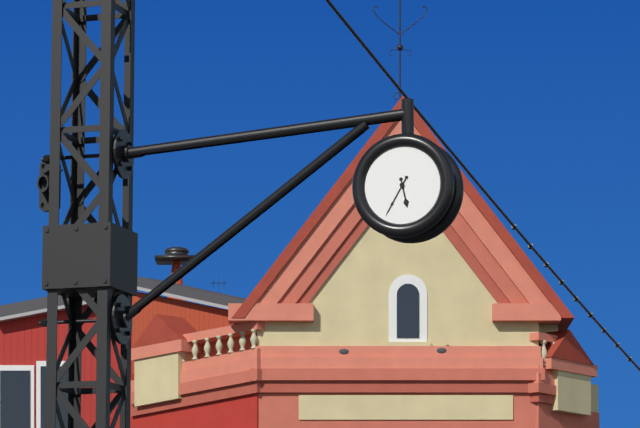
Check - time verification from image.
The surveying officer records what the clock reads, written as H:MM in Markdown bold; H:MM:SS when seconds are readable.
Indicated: **5:35**
